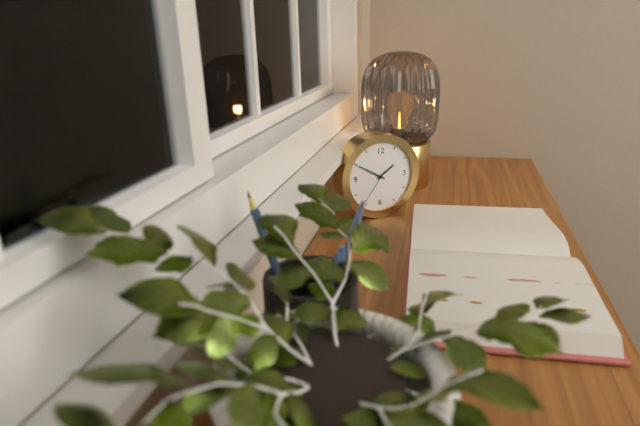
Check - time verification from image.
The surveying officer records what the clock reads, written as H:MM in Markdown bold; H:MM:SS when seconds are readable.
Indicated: **1:50**
